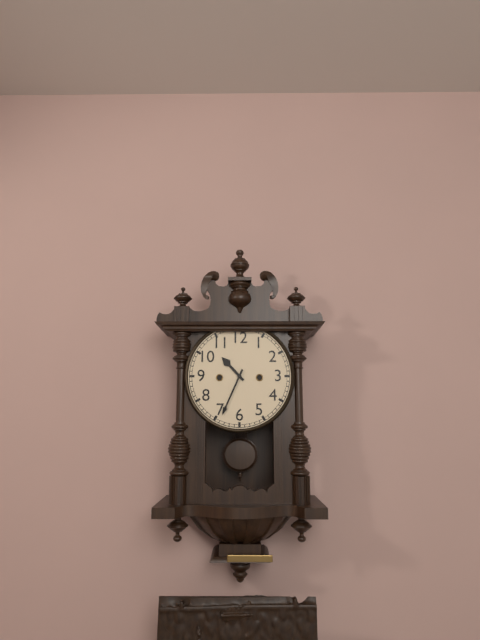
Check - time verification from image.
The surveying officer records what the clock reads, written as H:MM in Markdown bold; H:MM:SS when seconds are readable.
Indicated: **10:34**
